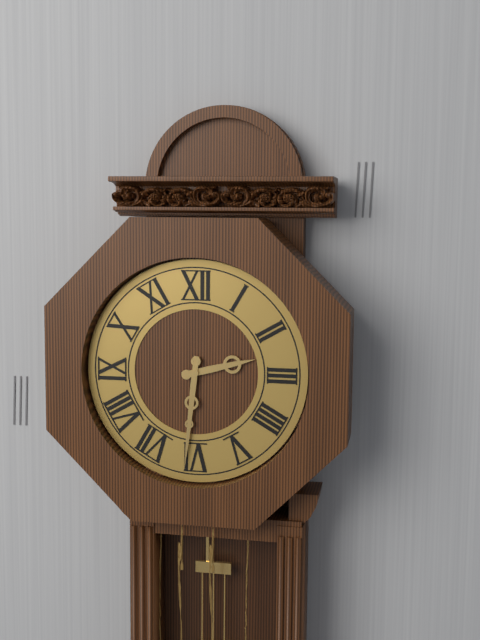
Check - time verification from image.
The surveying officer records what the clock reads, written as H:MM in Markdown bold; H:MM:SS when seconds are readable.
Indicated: **2:31**
